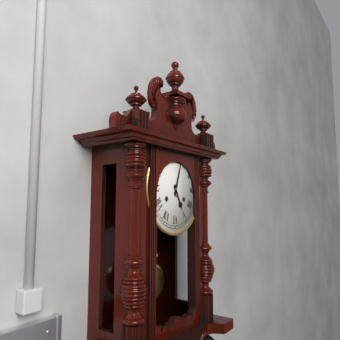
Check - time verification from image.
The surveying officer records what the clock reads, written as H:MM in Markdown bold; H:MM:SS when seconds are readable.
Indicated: **5:03**
